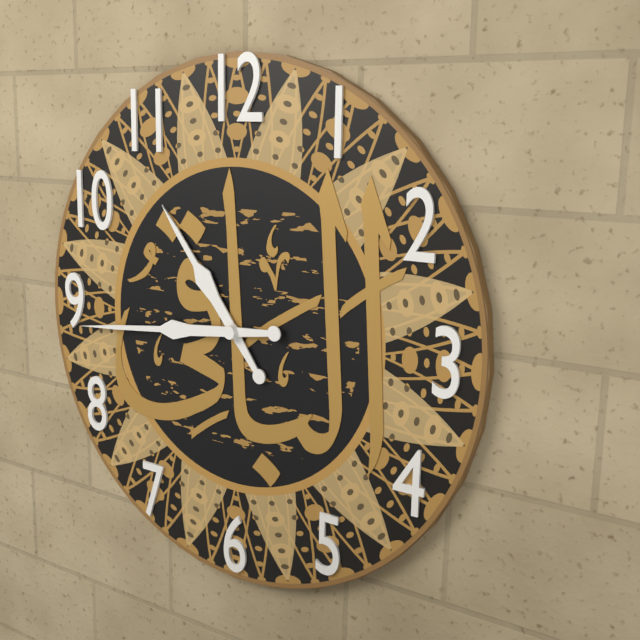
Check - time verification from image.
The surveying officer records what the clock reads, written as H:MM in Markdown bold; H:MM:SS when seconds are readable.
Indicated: **10:44**
